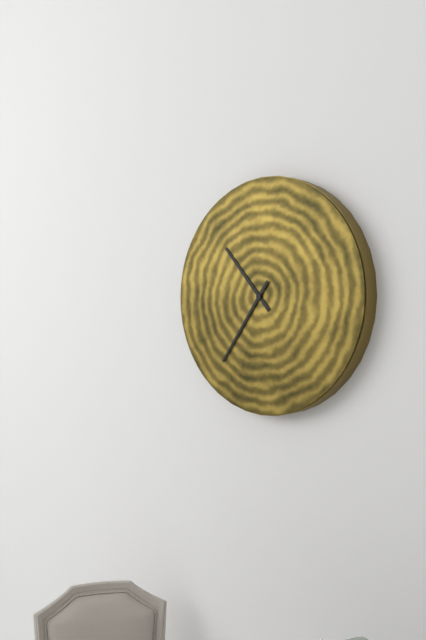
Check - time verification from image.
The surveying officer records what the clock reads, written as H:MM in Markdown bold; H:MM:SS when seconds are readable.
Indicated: **10:36**
